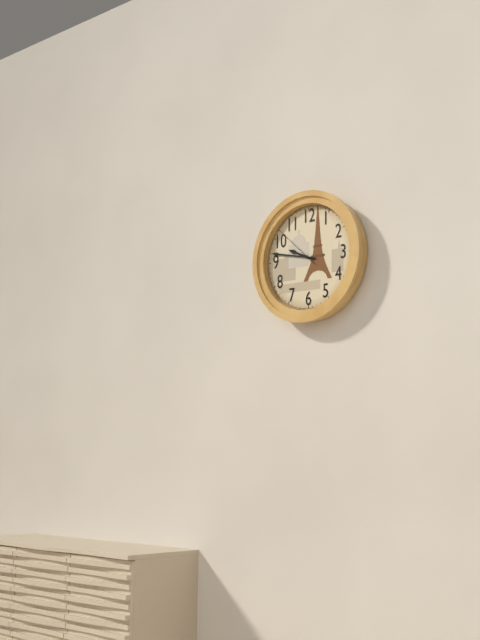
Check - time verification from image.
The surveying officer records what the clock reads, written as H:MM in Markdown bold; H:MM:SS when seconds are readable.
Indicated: **9:47:52**
